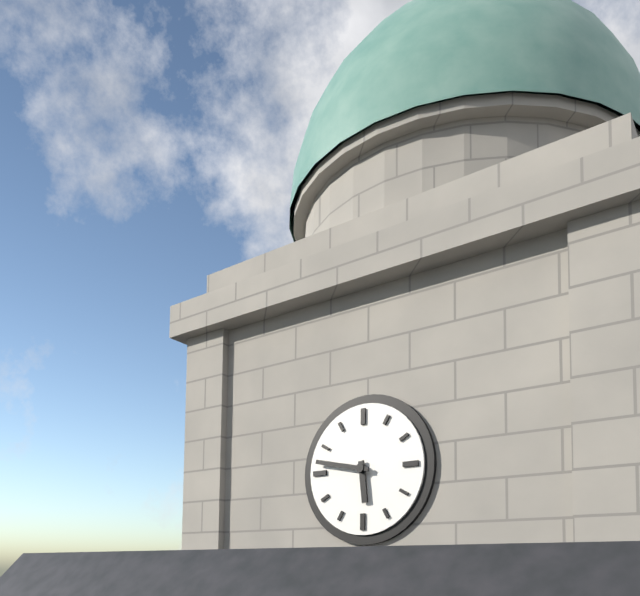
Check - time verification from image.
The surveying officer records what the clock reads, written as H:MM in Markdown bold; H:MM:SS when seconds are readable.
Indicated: **5:47**
